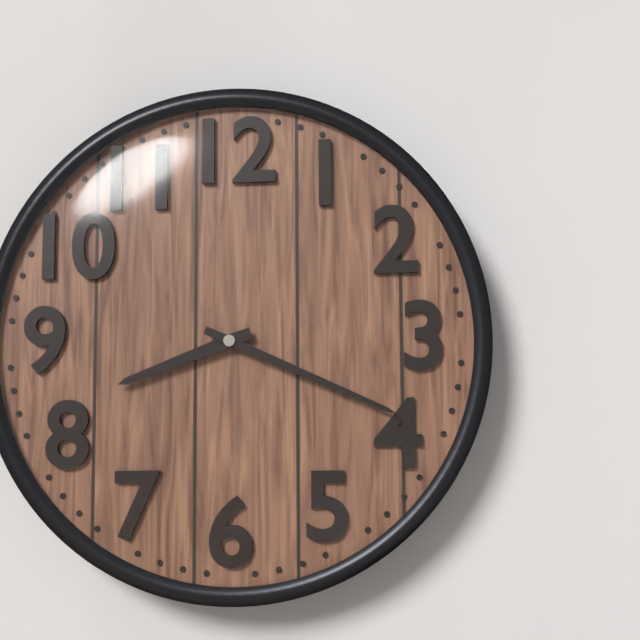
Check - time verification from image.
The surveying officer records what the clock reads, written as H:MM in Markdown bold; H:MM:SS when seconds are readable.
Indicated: **8:19**
